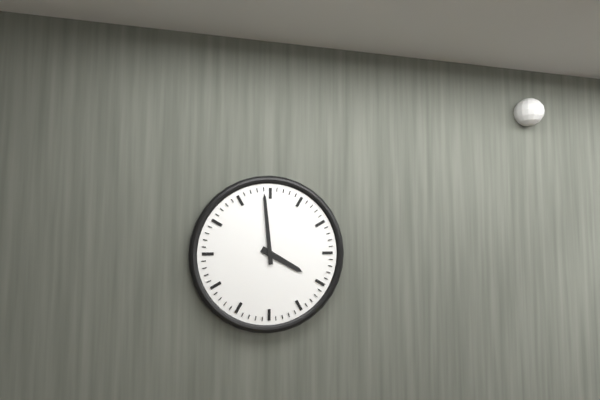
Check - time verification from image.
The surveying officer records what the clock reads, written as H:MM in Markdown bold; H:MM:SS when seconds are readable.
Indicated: **3:59**
